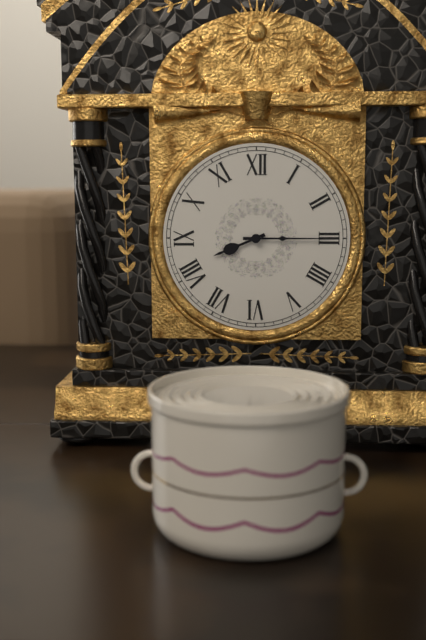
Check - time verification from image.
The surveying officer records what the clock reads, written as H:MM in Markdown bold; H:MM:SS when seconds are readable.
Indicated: **8:15**
